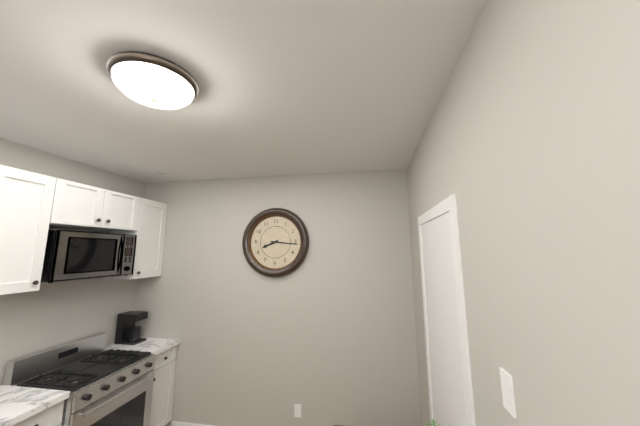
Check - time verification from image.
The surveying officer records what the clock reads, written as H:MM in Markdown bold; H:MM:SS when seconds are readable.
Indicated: **8:16**
